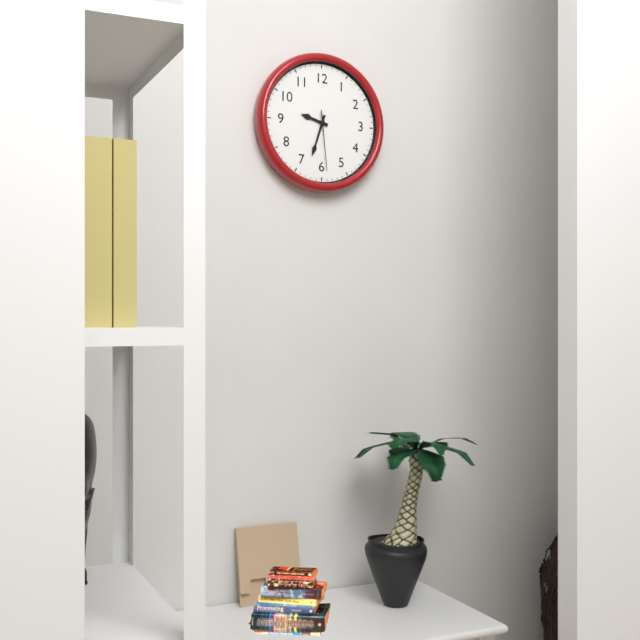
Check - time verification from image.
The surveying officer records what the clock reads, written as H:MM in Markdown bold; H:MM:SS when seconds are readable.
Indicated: **9:33:29**
